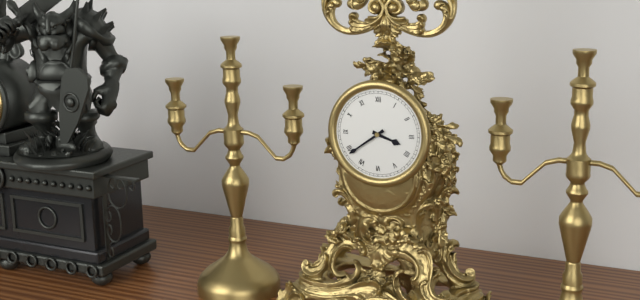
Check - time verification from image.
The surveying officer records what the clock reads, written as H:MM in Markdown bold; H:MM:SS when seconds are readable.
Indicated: **3:39**
